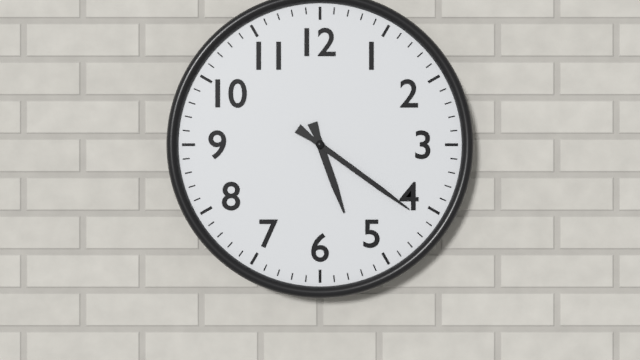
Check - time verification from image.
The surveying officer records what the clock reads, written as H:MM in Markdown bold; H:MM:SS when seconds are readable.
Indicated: **5:21**
